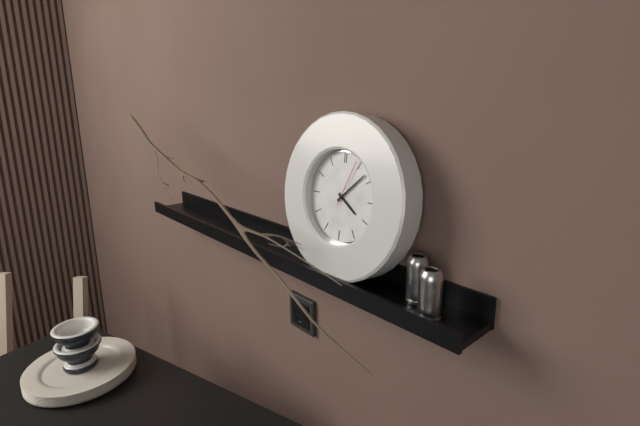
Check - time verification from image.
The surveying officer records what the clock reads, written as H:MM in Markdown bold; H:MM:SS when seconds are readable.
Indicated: **4:08**
